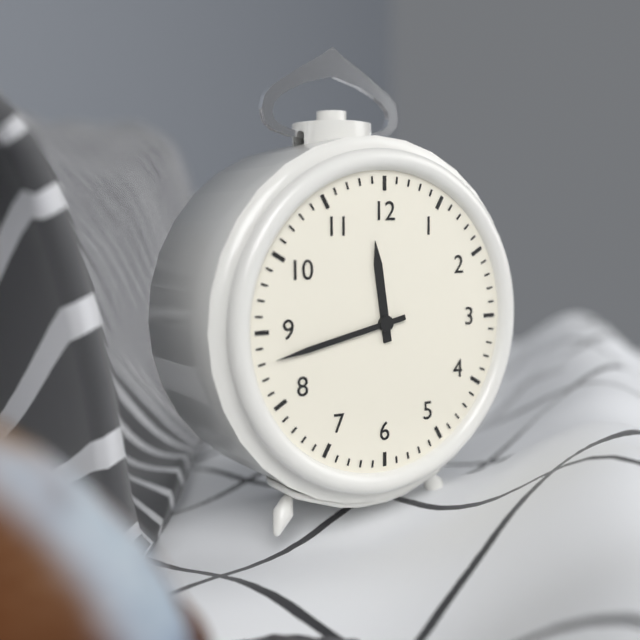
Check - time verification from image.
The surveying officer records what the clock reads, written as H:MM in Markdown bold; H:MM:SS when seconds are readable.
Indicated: **11:43**
